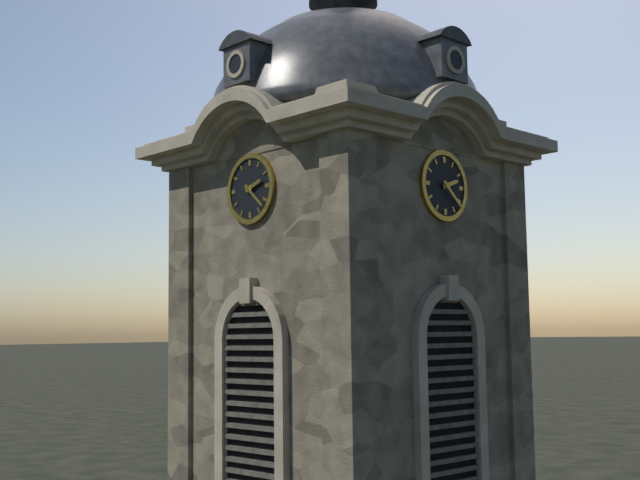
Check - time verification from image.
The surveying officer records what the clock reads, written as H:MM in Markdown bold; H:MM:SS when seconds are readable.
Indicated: **2:22**
